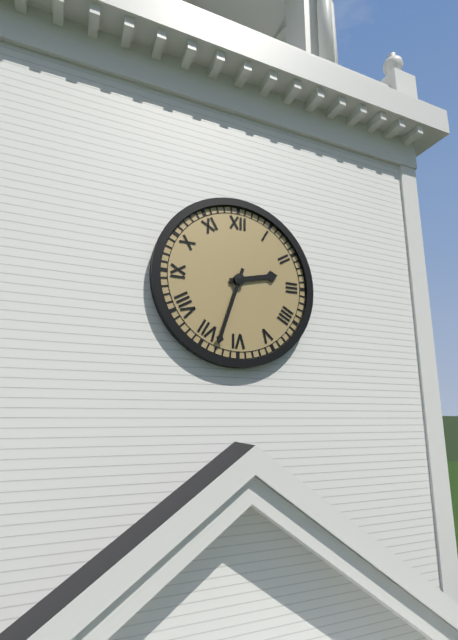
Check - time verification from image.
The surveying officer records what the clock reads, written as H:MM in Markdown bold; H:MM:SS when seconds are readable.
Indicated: **2:33**
